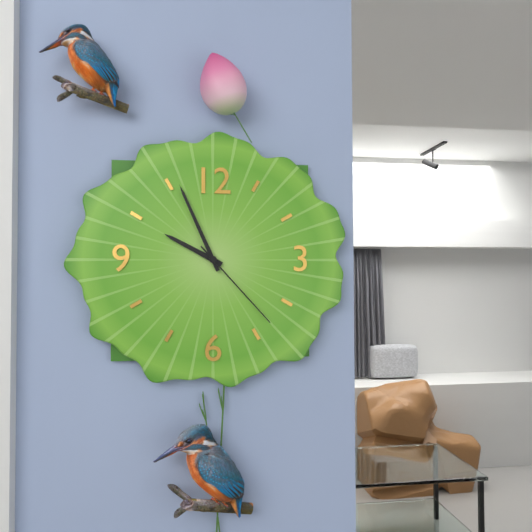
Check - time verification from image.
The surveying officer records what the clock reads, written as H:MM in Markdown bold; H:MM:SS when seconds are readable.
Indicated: **9:56:23**
